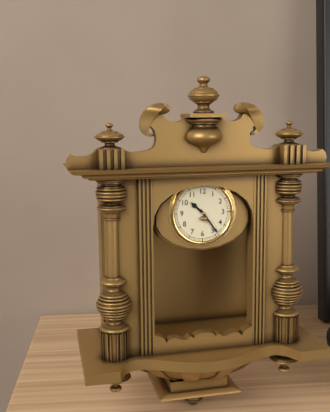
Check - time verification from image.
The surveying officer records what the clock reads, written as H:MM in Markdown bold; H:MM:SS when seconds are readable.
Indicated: **10:24**
